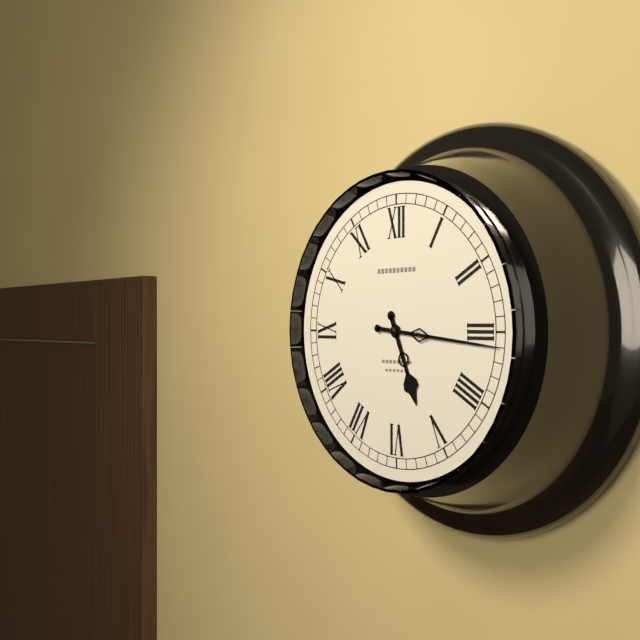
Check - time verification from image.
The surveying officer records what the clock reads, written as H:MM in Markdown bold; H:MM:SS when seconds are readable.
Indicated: **5:16**
